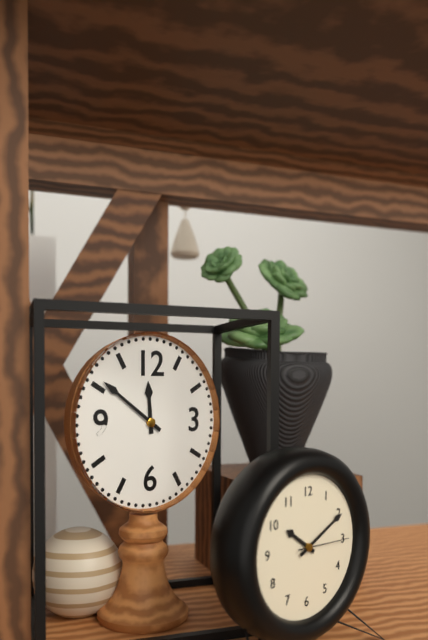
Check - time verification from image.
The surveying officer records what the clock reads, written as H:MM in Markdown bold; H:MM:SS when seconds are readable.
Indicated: **11:51**
